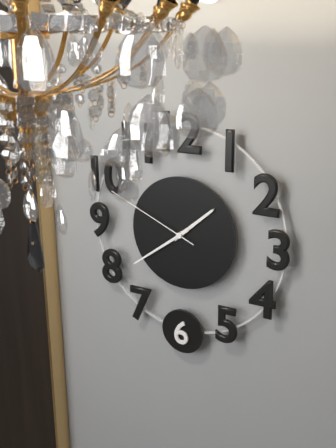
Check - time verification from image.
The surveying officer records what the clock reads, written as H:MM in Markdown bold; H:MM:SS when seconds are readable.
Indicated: **1:39:49**
